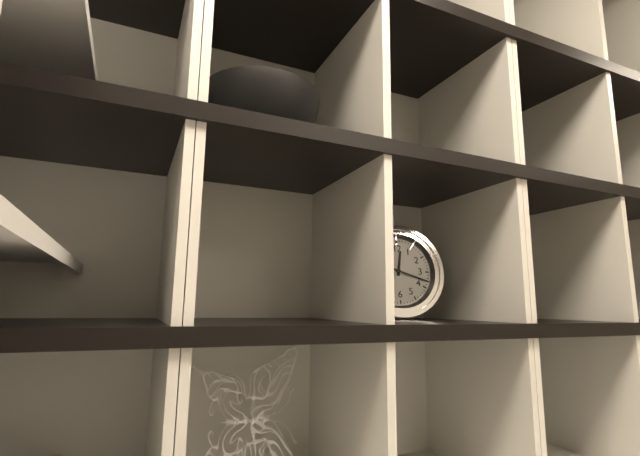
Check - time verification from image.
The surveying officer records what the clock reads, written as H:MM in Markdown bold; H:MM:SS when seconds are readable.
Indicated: **12:18**
